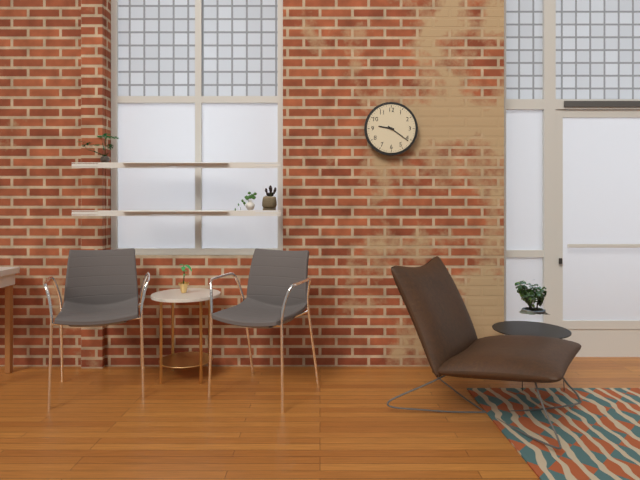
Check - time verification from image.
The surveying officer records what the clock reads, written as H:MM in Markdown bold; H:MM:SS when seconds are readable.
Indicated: **9:21**
